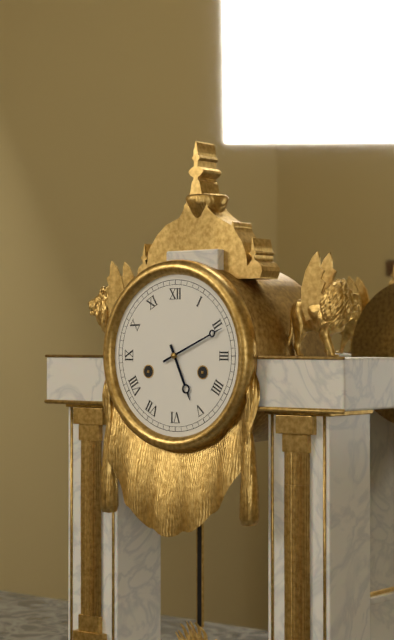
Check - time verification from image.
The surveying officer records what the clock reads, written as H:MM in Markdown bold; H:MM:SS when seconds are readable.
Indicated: **5:11**
